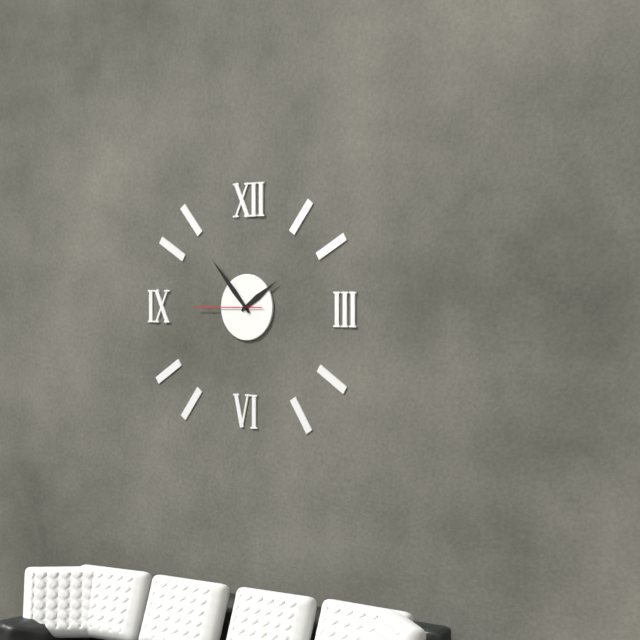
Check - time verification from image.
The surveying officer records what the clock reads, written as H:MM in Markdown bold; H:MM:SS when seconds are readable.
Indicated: **1:53:45**
